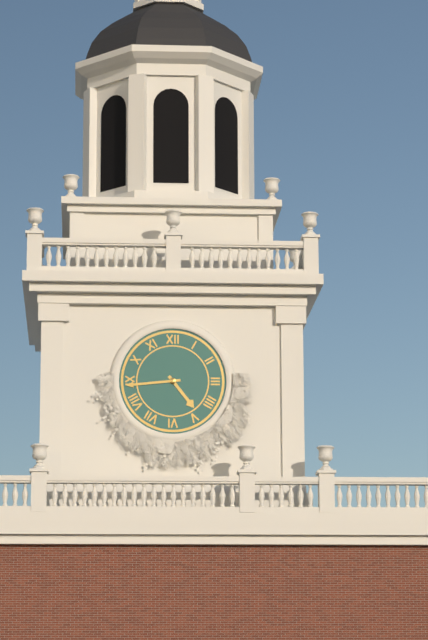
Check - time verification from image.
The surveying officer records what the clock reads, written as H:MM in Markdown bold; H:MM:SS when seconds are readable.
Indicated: **4:44**
